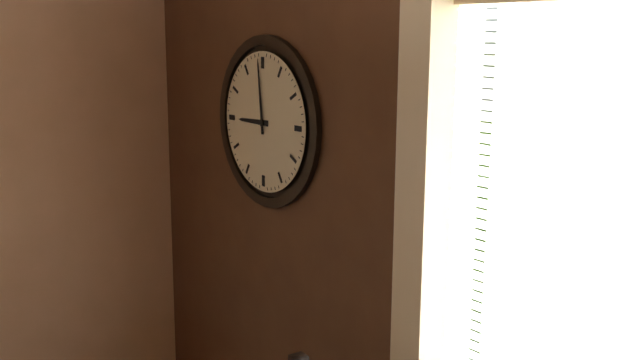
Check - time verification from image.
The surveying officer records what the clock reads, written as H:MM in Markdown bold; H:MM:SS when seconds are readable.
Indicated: **8:59**
